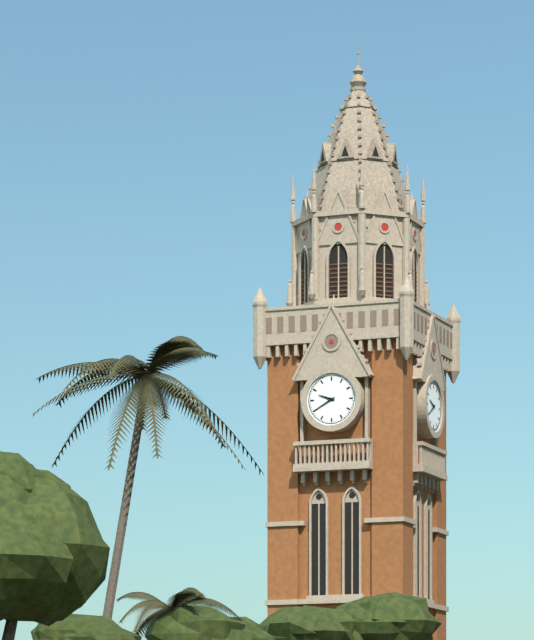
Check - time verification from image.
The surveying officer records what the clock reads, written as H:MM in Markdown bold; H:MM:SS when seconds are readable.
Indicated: **9:40**
